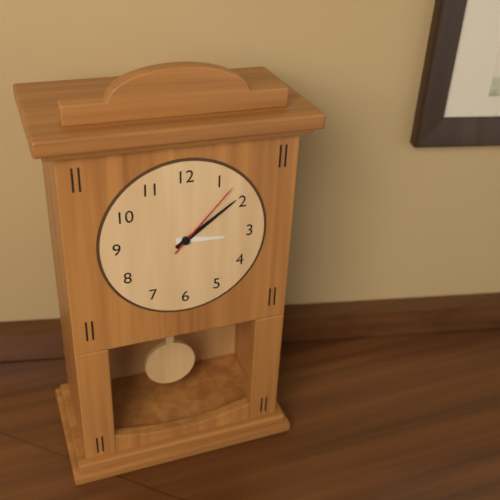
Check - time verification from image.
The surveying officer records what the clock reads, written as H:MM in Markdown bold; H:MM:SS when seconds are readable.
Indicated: **3:09:07**
